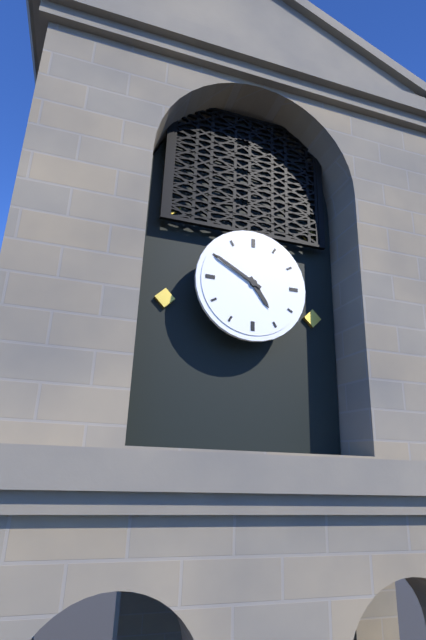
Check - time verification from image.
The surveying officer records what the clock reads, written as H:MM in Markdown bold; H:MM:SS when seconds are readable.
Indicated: **4:50**
